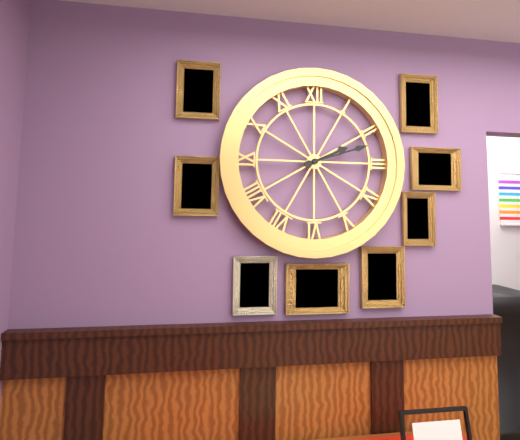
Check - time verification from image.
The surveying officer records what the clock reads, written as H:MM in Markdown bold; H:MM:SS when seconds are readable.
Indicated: **2:12**
